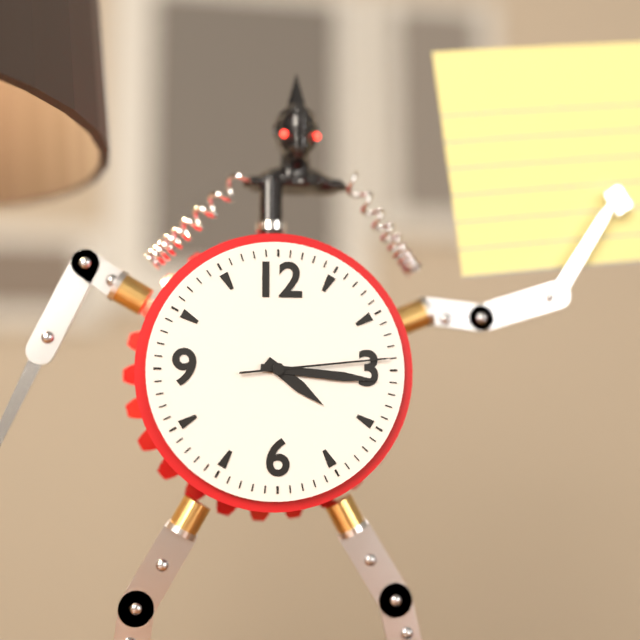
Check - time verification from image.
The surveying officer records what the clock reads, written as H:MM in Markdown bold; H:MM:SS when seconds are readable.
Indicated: **4:16:14**
